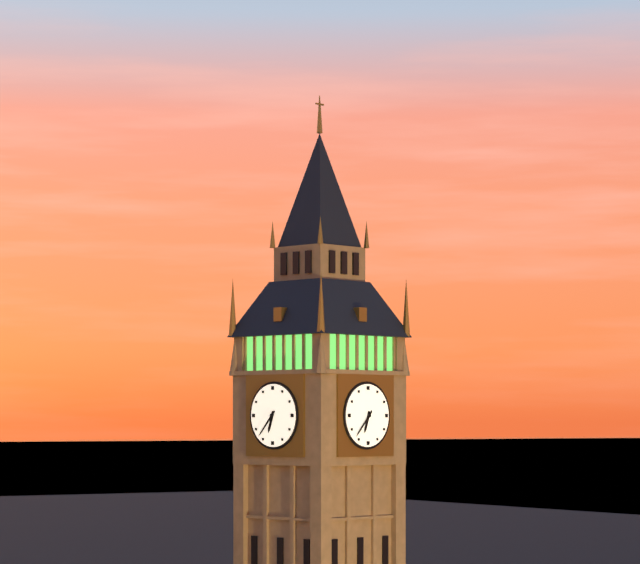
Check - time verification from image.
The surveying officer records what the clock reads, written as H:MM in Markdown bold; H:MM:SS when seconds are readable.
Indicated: **6:37**
